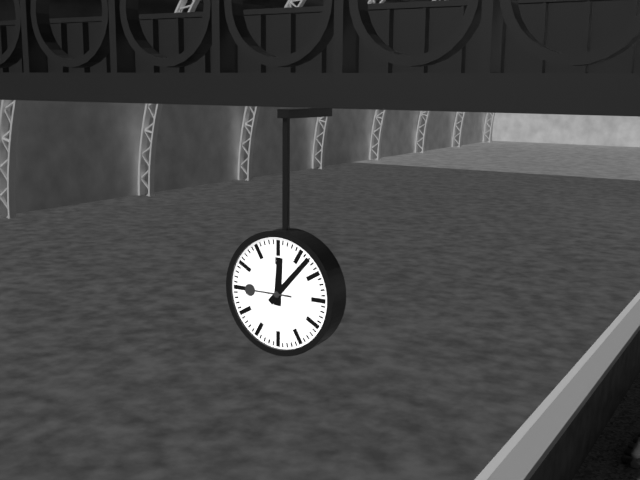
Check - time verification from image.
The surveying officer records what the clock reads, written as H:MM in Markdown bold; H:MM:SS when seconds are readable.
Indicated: **12:07:45**
